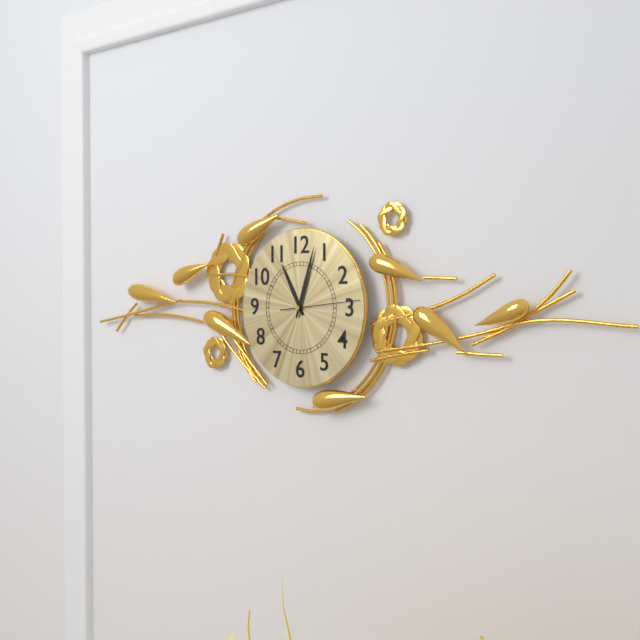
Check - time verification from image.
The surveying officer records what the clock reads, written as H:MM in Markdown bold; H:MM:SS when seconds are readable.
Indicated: **11:03:14**
